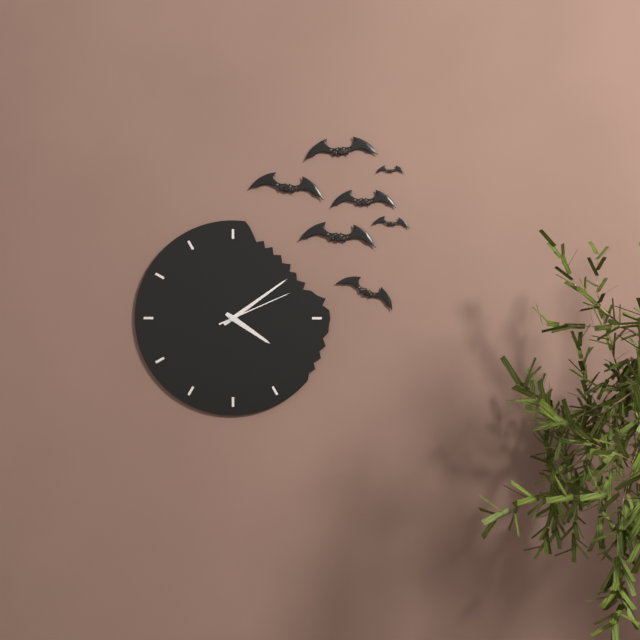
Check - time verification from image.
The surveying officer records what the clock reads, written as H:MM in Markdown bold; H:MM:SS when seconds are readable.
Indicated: **4:09:11**
